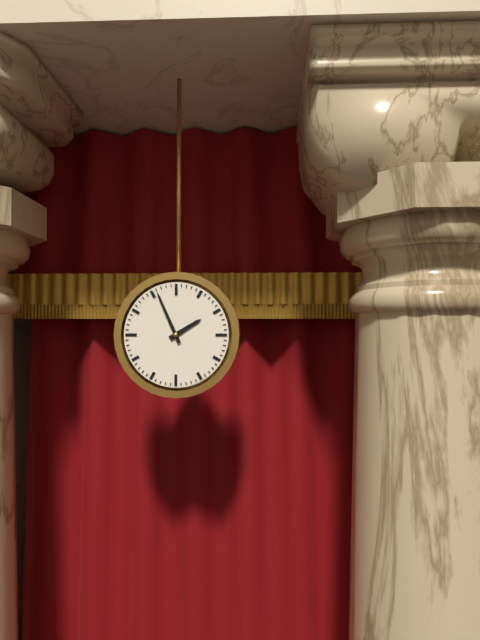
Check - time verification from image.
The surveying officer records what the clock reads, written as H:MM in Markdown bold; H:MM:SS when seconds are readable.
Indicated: **1:56**
